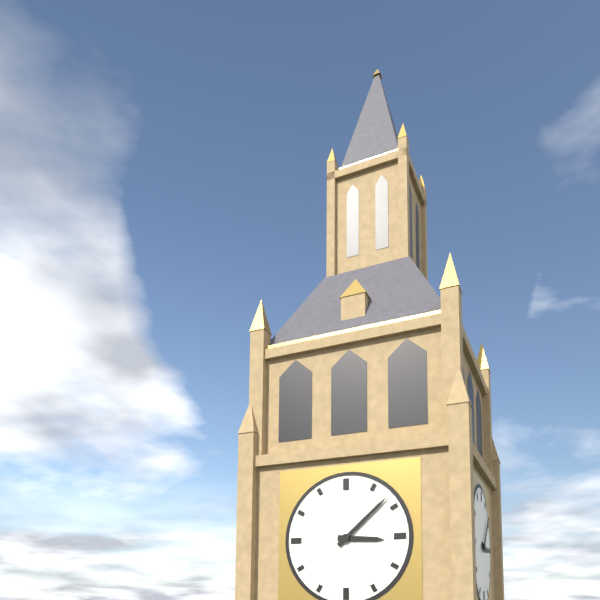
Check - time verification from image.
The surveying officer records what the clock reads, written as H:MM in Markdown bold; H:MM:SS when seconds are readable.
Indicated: **3:08**
